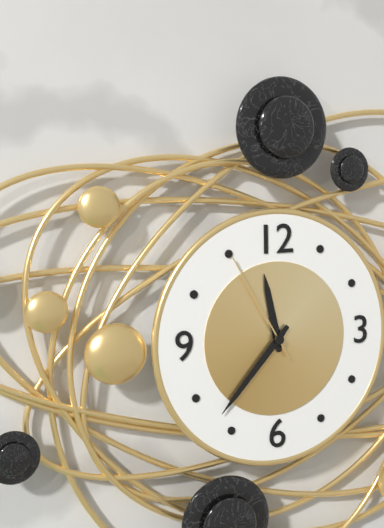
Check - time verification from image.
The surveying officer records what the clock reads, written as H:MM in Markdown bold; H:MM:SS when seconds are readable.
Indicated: **11:37:55**
